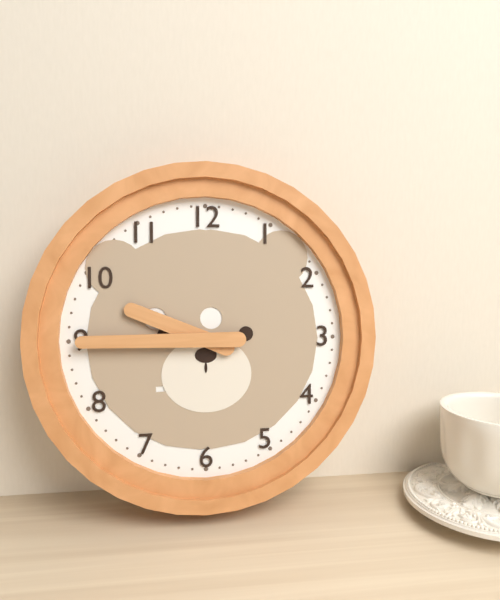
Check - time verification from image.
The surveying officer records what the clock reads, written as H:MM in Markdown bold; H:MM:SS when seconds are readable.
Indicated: **9:45**
